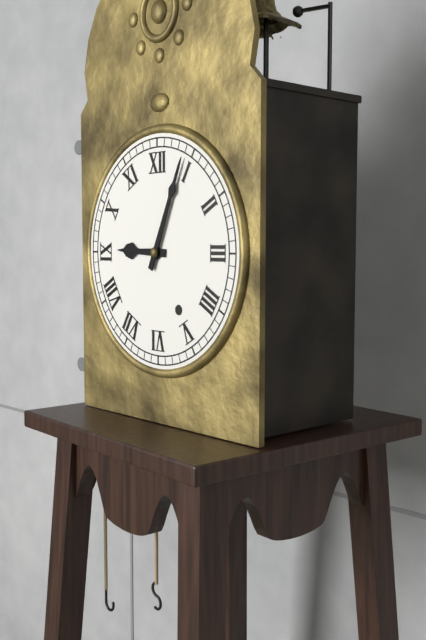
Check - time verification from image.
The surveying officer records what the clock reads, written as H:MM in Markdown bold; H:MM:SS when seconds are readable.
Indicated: **9:04**
